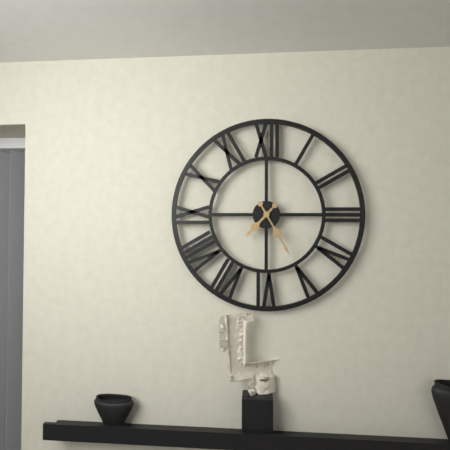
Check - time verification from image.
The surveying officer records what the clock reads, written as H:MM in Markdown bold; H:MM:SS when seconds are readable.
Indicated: **7:25**
